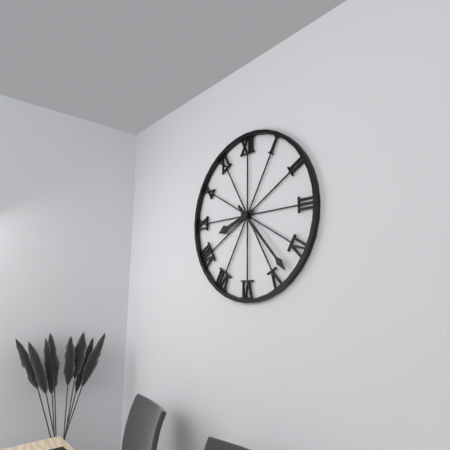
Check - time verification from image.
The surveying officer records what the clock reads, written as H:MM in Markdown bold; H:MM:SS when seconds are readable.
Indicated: **8:23**
